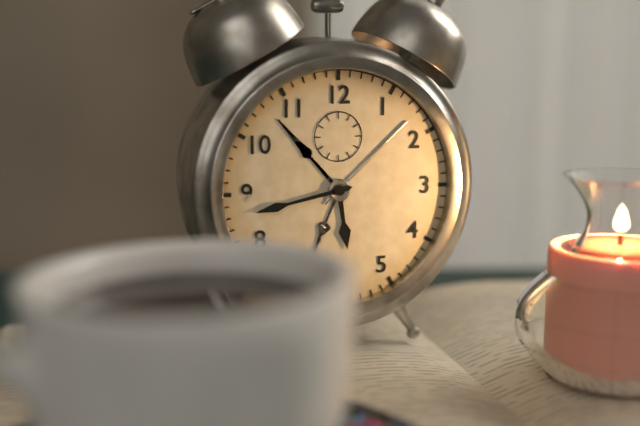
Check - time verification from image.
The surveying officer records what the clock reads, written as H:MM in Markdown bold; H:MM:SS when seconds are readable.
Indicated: **5:43**
